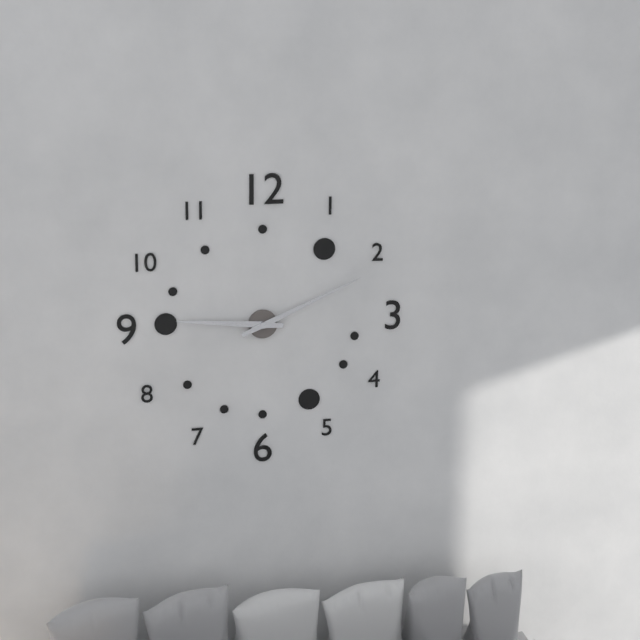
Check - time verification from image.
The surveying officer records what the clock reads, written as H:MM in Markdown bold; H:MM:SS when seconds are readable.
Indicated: **9:11**
